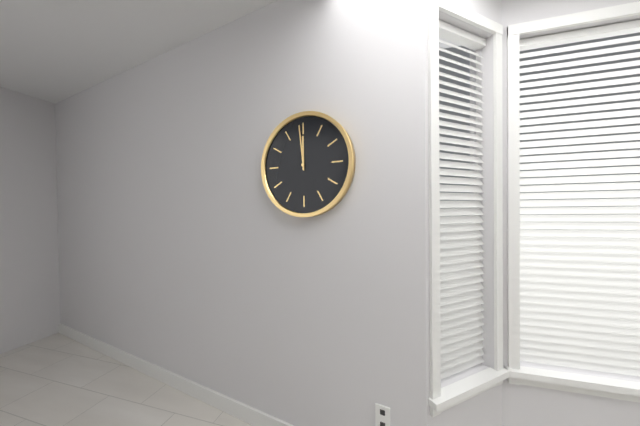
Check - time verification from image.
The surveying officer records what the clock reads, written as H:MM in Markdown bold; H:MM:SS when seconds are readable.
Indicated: **11:59**
